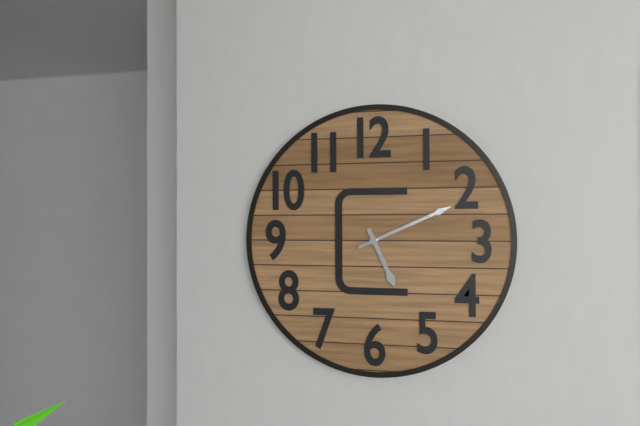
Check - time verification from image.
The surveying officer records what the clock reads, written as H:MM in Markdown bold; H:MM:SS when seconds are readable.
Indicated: **5:11**
